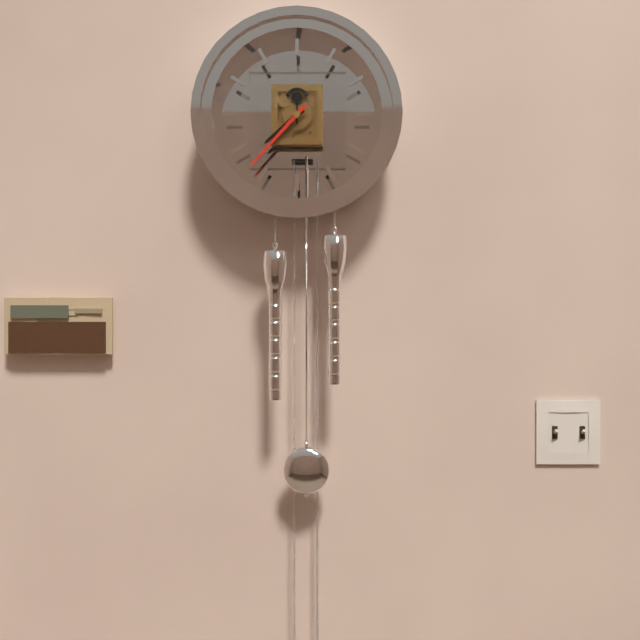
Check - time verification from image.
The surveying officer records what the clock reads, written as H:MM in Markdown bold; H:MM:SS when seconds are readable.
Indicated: **7:37**
